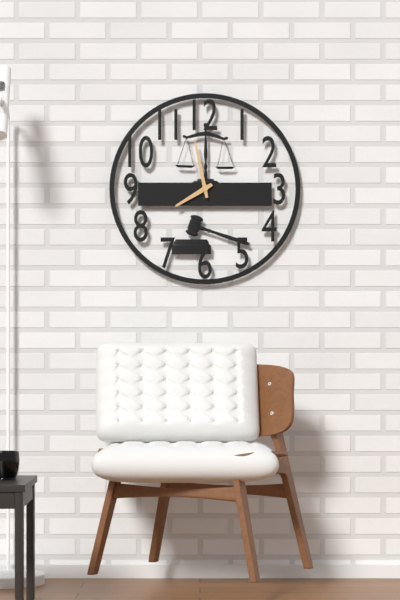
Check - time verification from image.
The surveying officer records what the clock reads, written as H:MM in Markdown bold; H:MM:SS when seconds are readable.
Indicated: **7:58**
